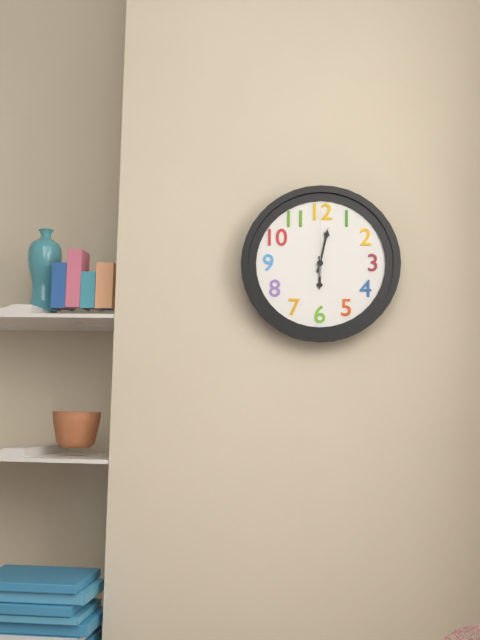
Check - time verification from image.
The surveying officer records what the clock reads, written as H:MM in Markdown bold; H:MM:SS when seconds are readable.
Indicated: **6:02:00**
